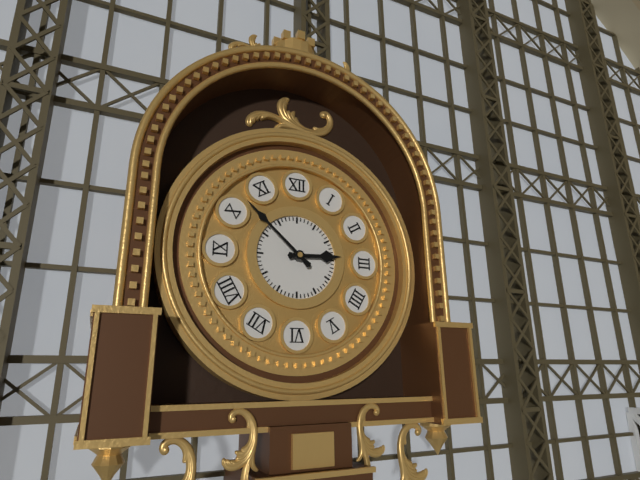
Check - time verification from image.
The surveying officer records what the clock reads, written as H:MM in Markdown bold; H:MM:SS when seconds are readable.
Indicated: **2:52**
